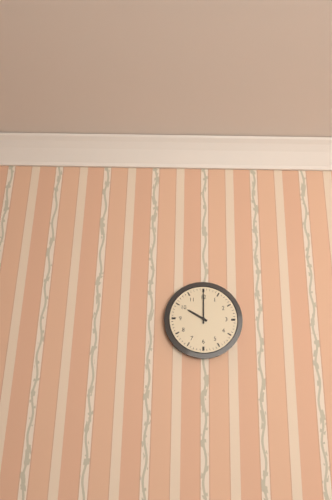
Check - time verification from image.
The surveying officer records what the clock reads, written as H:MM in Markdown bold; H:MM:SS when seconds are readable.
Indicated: **10:00**
